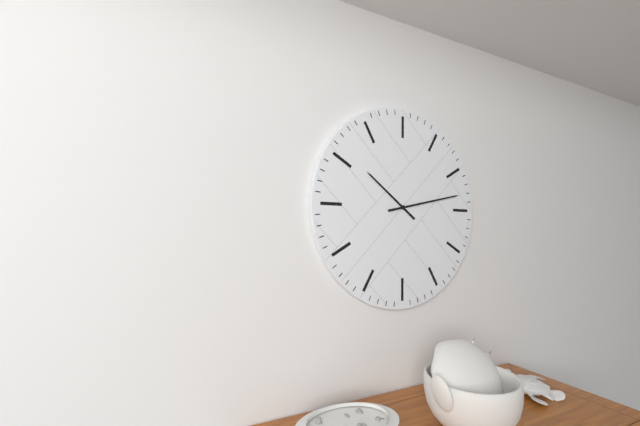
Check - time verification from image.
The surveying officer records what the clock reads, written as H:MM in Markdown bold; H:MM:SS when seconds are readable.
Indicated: **10:13**
